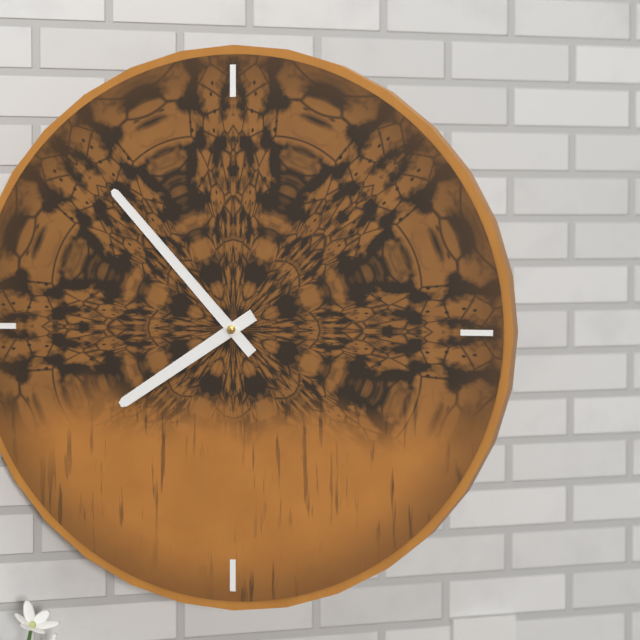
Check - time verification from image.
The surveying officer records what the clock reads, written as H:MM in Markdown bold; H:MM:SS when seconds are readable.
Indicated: **7:53**
